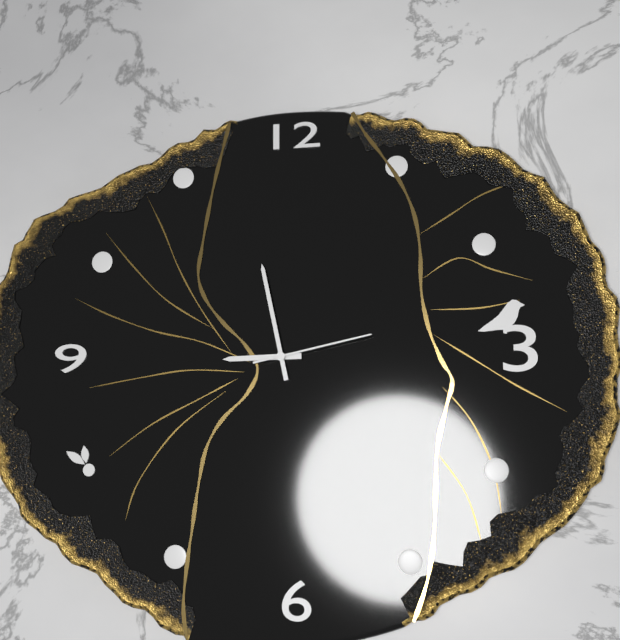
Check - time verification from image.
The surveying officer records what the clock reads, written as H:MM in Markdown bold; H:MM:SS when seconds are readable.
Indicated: **8:58:13**
